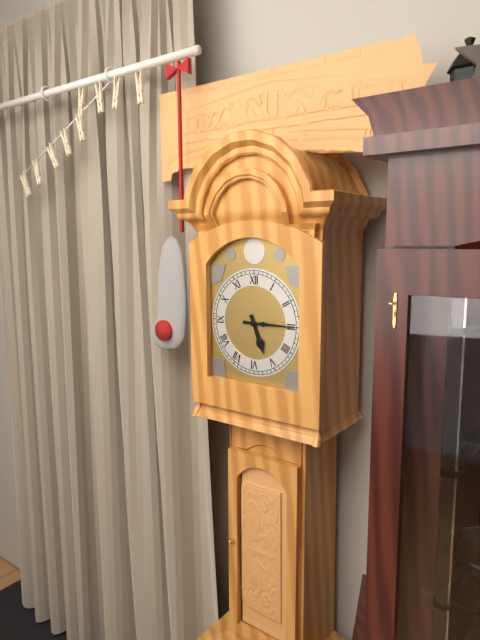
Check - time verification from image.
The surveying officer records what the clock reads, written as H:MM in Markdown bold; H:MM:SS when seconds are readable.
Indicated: **5:15**
